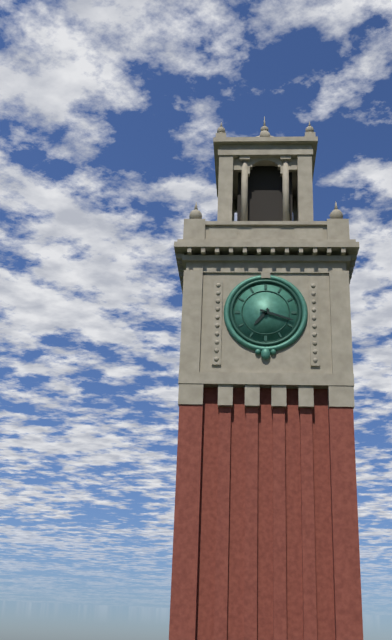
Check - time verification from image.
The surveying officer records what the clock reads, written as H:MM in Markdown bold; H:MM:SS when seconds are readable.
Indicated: **7:18**
